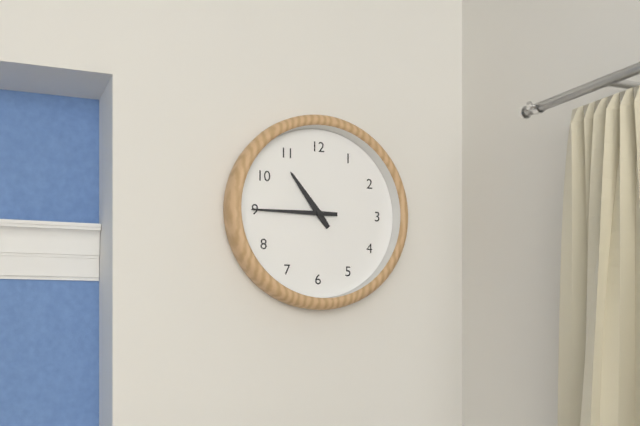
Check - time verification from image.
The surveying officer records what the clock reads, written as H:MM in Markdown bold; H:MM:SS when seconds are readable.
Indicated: **10:45**
